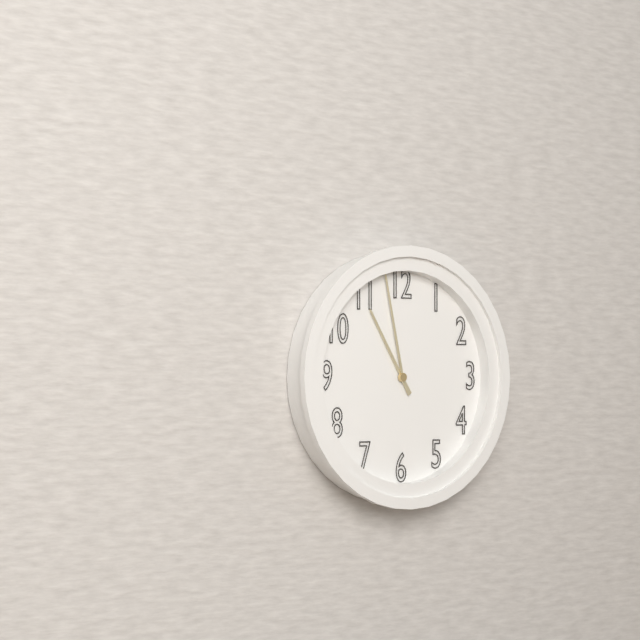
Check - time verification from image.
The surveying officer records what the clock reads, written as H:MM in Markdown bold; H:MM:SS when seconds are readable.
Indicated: **10:58**
